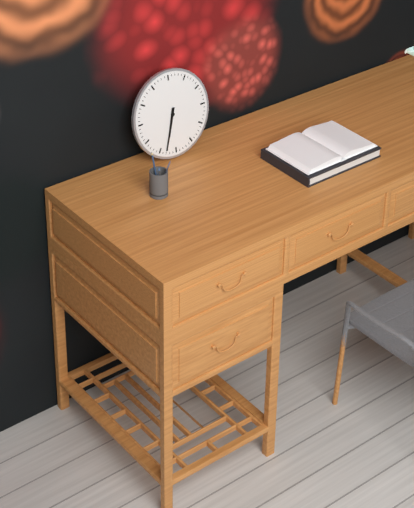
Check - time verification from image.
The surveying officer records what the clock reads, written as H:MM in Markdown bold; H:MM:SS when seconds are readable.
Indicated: **6:33**
